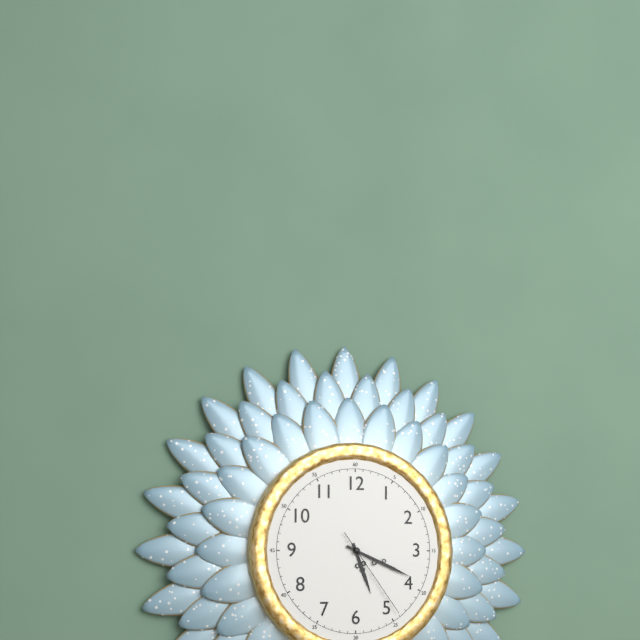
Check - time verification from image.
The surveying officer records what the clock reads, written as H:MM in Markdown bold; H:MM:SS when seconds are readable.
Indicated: **5:19:24**
